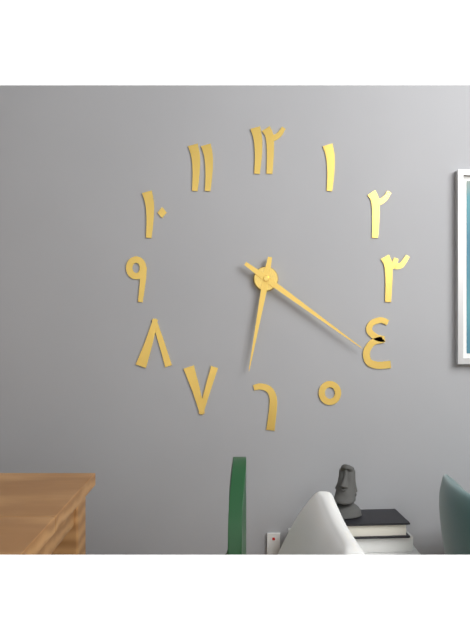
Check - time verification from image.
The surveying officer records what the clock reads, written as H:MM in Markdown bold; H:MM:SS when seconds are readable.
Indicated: **6:21**
